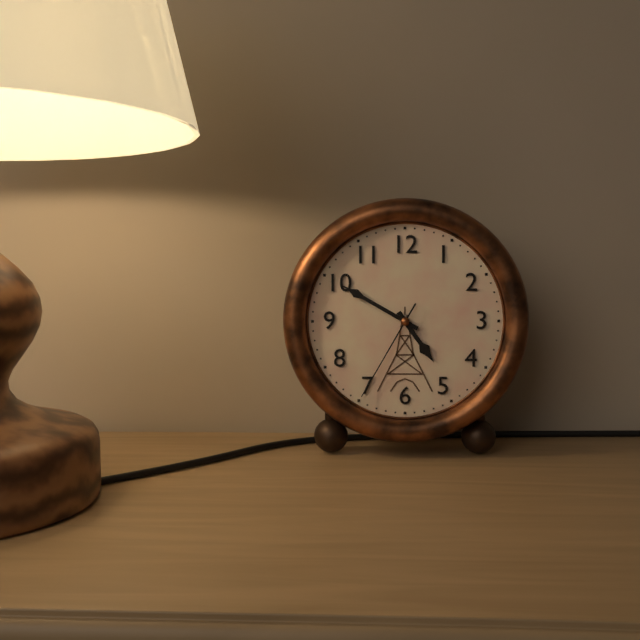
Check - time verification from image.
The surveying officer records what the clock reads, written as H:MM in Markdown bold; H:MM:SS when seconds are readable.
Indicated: **4:50:35**
